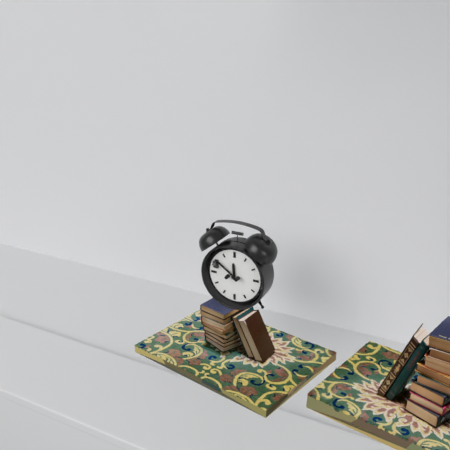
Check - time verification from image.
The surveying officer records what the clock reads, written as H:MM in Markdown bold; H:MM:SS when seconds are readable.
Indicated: **11:51**
